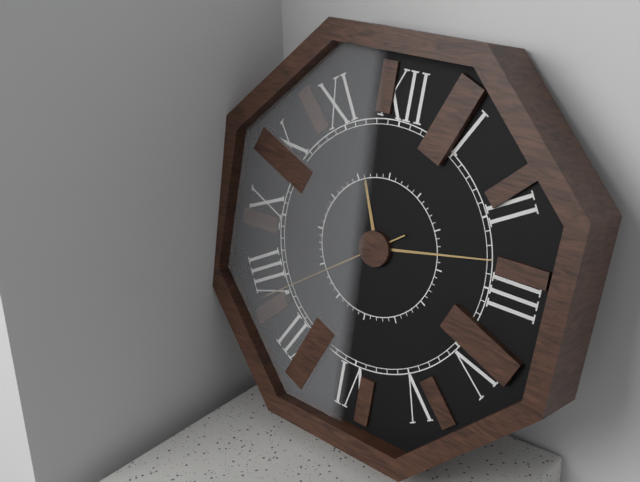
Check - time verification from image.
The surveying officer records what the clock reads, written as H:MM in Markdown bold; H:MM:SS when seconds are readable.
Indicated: **11:13:39**
